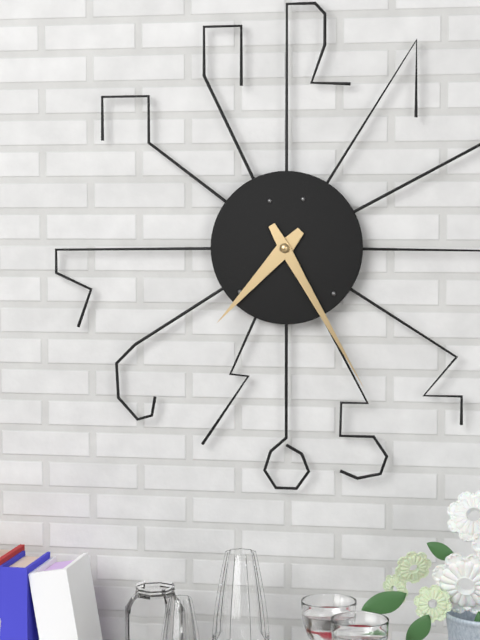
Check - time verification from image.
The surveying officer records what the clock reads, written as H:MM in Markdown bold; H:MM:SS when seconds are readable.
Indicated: **7:25**
